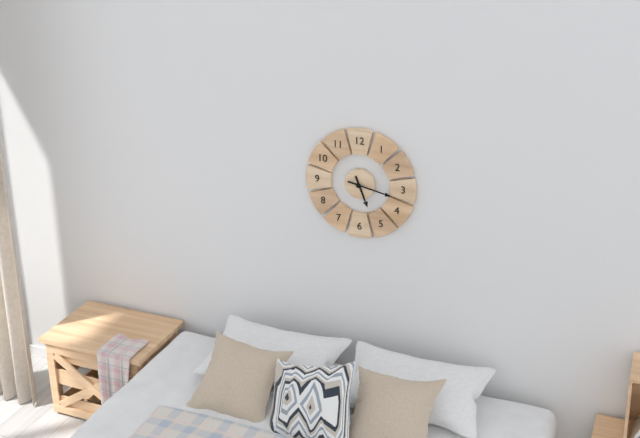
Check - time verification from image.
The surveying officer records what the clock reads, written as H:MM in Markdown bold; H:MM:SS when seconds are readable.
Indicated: **5:17**
